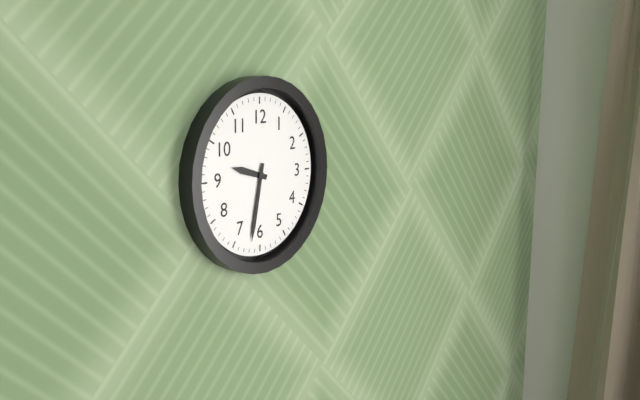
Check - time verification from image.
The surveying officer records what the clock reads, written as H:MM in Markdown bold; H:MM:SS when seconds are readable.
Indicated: **9:32**
